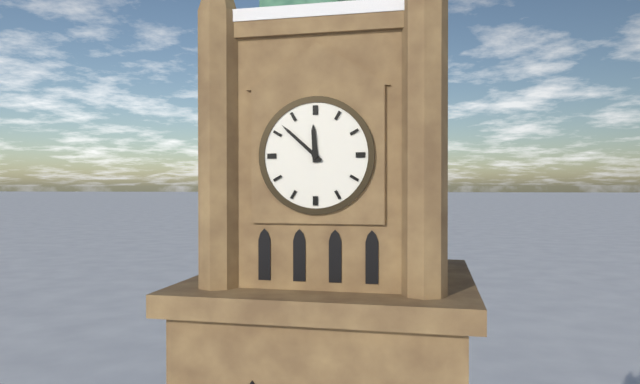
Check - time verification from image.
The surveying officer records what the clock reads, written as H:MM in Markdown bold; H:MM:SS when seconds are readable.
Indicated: **11:52**
